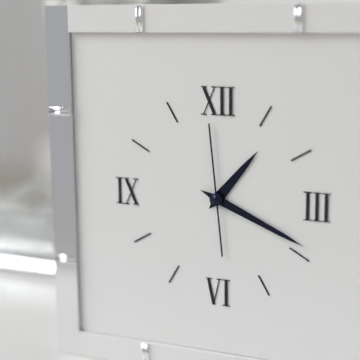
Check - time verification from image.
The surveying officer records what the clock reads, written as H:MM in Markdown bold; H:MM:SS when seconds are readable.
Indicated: **1:19:59**
